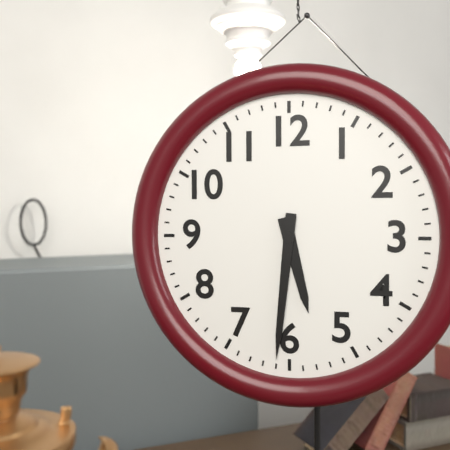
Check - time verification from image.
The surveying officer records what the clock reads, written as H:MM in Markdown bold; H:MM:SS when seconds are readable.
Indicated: **5:31**
